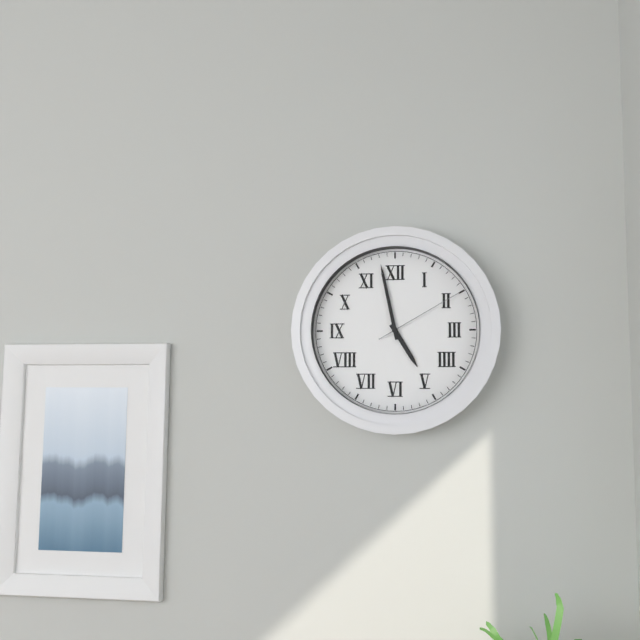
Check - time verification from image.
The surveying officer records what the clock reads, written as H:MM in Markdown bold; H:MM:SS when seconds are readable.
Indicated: **4:58:10**
